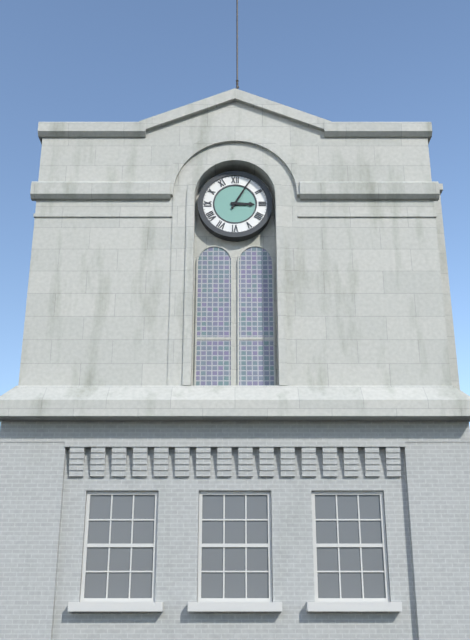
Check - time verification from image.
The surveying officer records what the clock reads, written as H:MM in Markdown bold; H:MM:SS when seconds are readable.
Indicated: **3:05**
